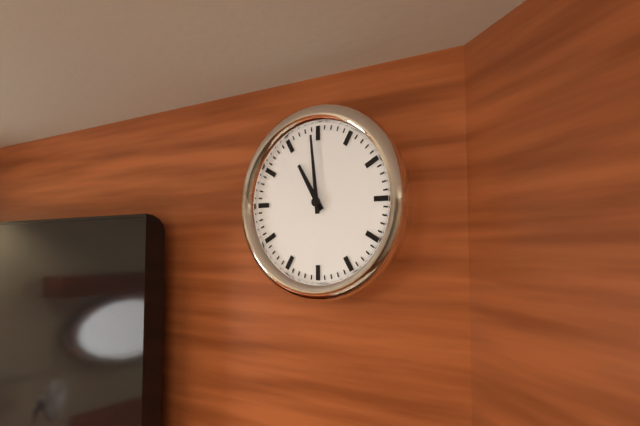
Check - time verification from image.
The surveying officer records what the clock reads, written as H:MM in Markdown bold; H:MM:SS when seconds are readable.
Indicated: **10:59**
